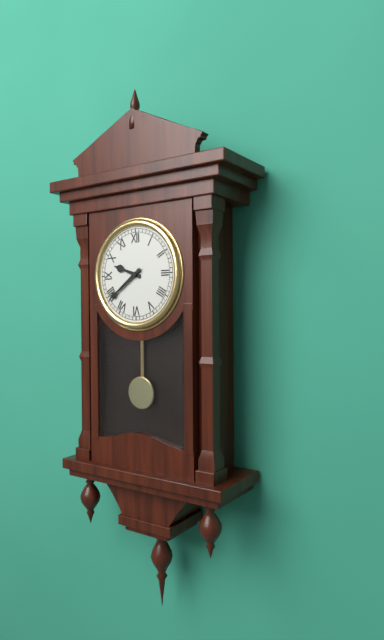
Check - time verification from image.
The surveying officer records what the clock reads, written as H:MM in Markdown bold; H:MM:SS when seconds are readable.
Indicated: **9:39**
